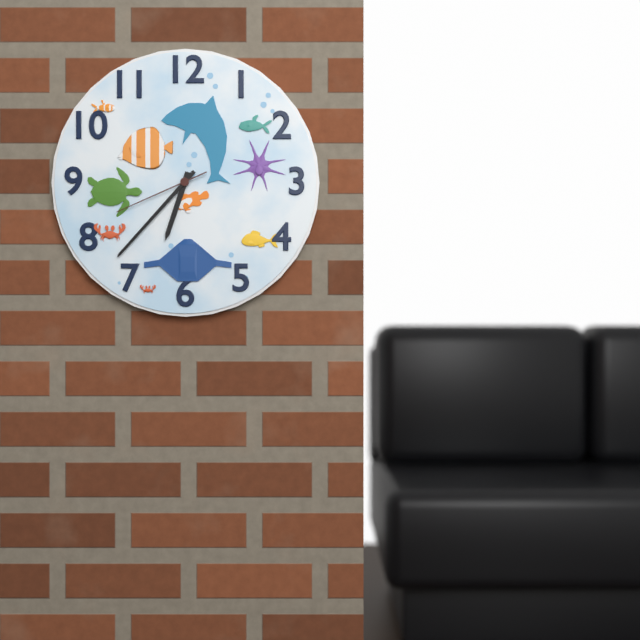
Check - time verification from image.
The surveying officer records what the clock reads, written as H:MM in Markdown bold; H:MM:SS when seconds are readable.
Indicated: **6:37:41**
